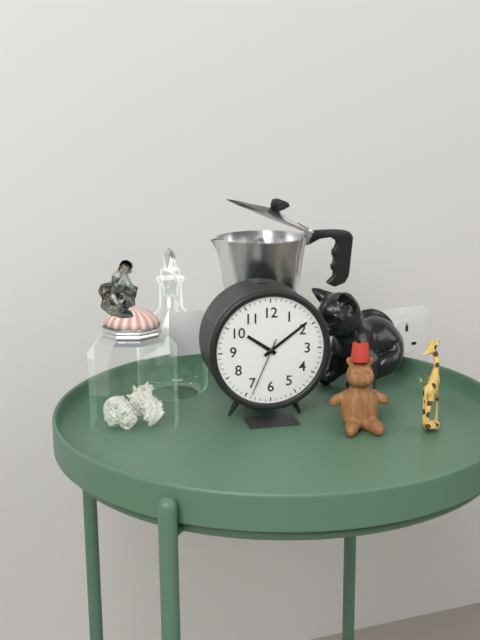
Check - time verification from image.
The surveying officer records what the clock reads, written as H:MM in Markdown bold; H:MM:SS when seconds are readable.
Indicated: **10:09:34**
